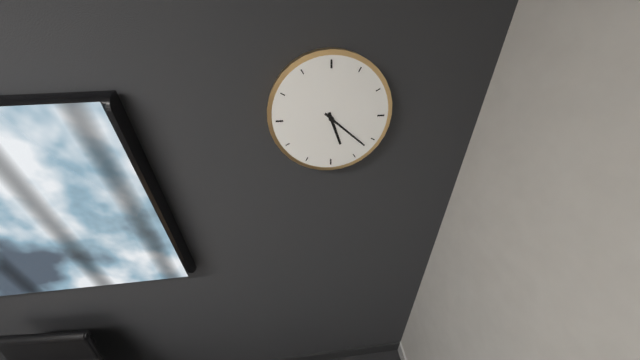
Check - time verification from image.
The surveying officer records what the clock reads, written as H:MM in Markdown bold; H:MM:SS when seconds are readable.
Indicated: **5:22**
